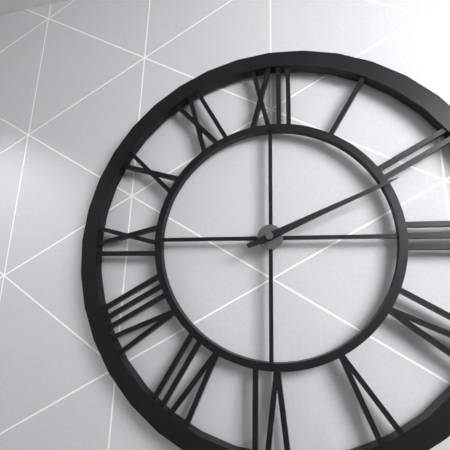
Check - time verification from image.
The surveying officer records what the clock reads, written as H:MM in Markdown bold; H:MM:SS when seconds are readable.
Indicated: **2:11**
